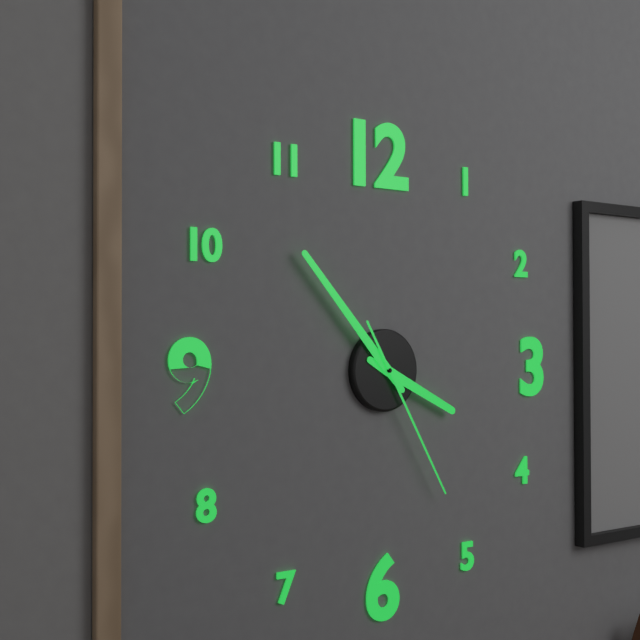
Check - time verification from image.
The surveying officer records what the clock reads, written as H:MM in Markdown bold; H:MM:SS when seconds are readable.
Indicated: **3:53:25**
